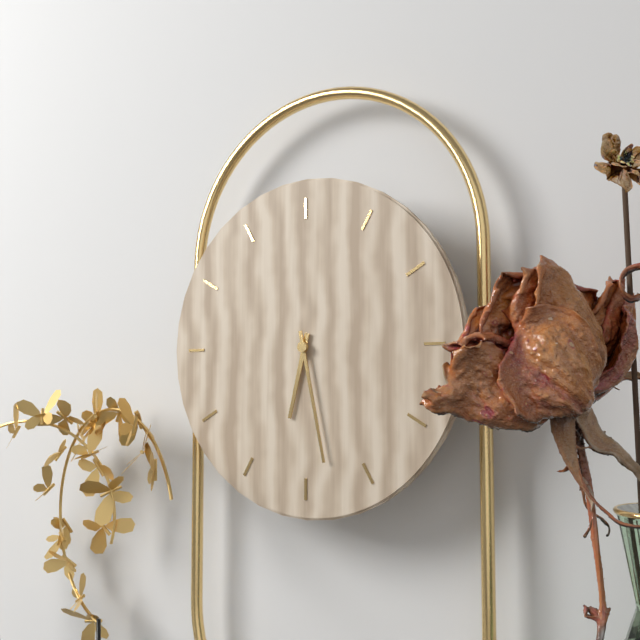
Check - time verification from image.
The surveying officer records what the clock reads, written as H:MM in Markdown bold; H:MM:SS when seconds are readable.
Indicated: **6:28**
